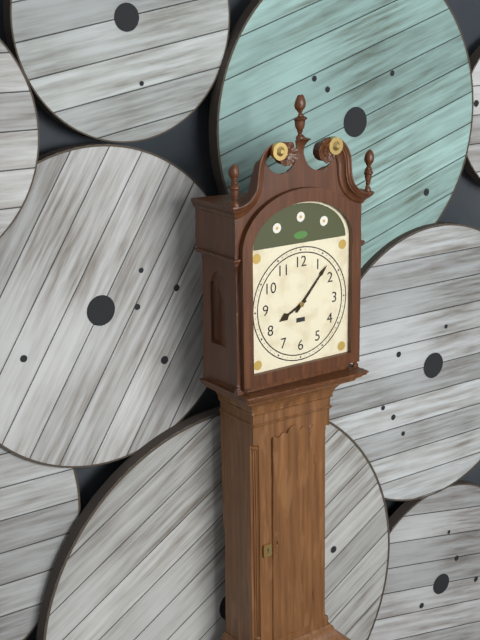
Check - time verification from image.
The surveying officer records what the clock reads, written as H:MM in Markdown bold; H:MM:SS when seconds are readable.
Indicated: **8:07**
